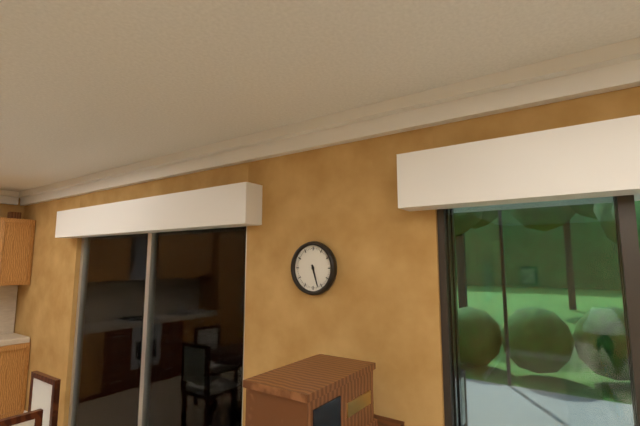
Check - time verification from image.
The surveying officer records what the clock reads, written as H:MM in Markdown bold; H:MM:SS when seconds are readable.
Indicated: **5:27**
